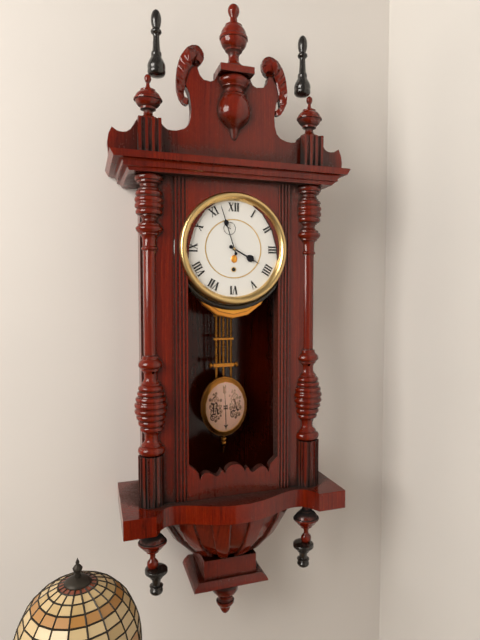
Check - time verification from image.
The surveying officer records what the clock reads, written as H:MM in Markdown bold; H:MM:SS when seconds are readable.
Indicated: **3:57**
